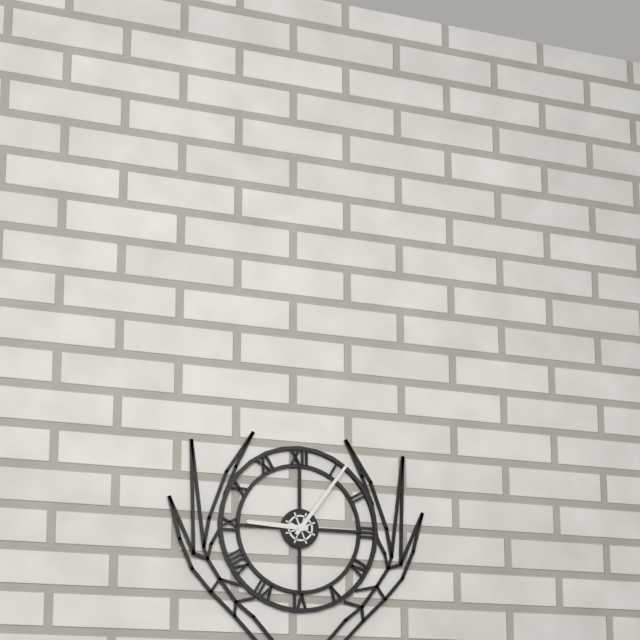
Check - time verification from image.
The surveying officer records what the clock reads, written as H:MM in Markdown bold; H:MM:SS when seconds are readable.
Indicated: **9:06**
